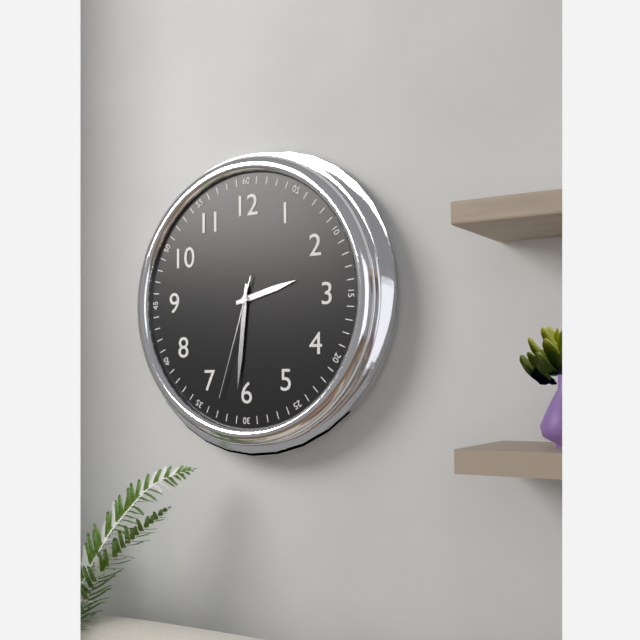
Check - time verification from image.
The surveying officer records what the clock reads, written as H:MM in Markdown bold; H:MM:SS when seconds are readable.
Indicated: **2:31:33**
